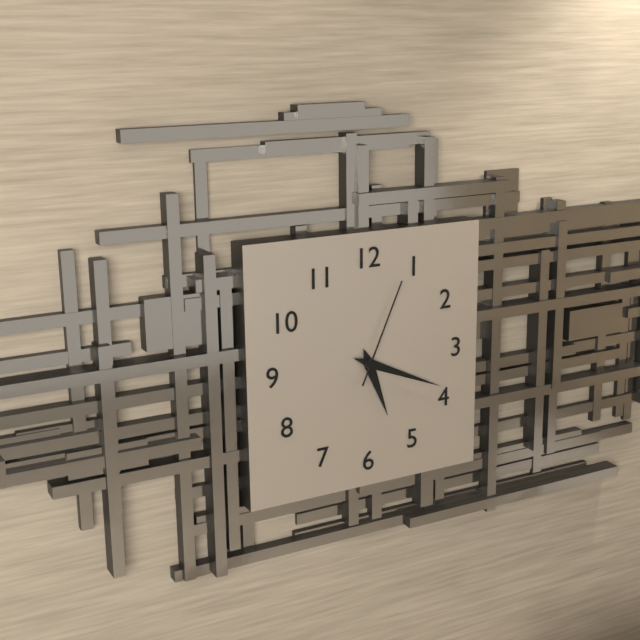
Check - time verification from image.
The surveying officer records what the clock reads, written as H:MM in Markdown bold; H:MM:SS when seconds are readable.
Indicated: **5:19:04**
